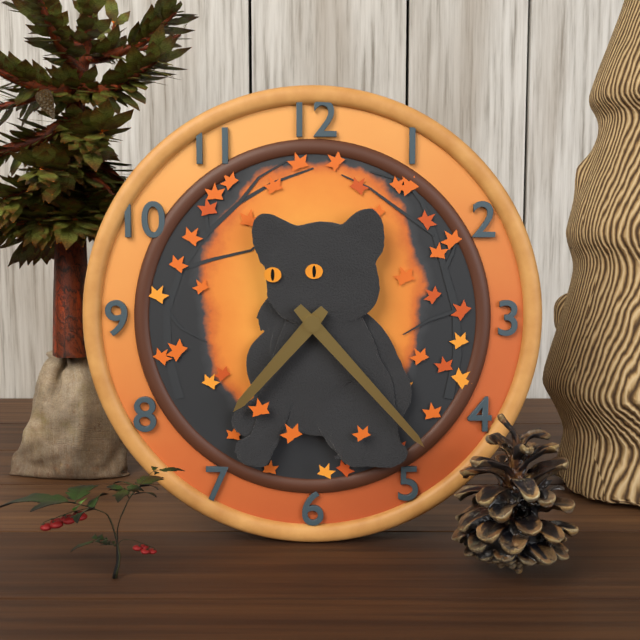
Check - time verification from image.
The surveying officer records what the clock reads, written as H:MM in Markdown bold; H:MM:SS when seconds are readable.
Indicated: **7:23**
